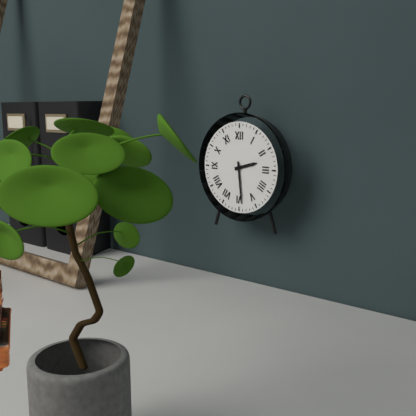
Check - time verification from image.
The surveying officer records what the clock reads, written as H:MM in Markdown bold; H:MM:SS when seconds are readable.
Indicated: **2:29**
